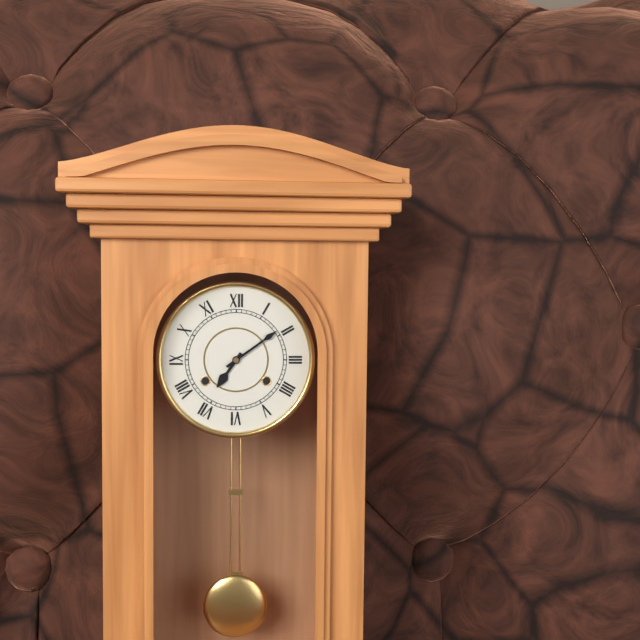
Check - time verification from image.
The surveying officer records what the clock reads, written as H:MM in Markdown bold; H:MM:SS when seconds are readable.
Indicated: **7:09**
